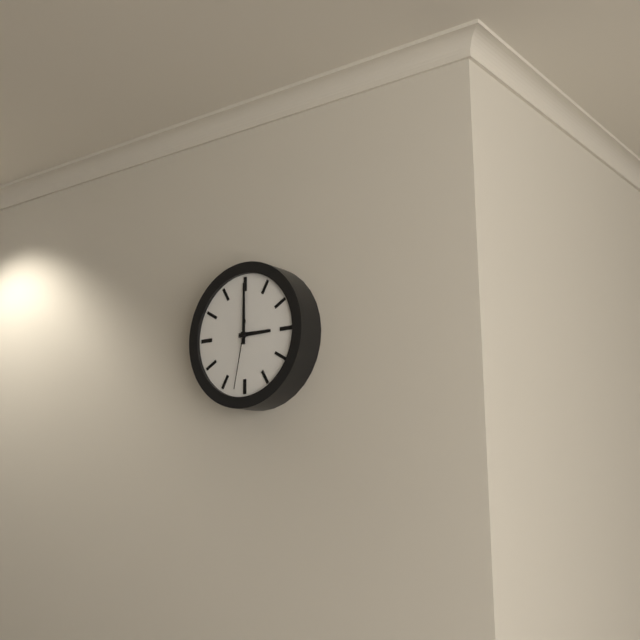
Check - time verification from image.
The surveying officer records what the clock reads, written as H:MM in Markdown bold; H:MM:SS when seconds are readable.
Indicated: **3:00:32**
